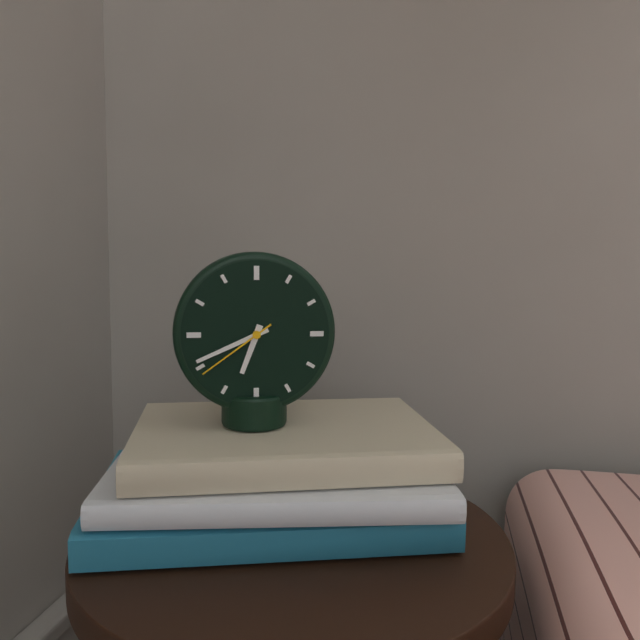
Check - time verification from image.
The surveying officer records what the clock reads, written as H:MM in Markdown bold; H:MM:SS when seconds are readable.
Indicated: **6:41:39**
